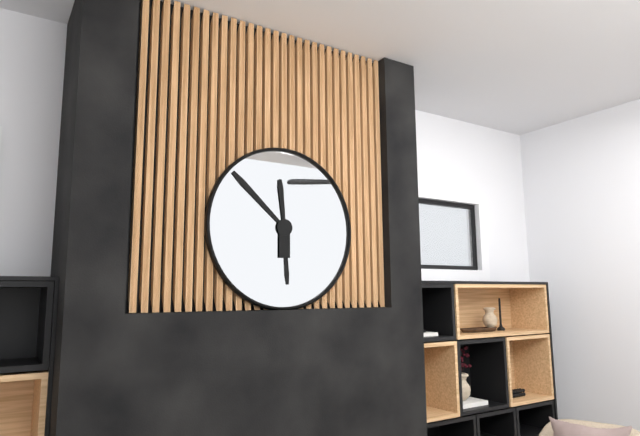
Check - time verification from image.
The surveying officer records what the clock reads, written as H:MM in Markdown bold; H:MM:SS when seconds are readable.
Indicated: **5:52:59**
